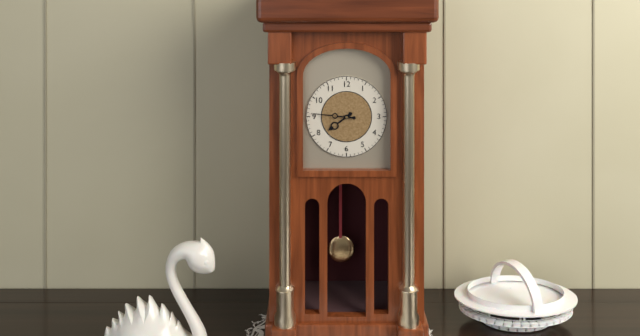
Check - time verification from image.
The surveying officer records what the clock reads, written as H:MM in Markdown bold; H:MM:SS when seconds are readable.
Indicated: **7:46**
